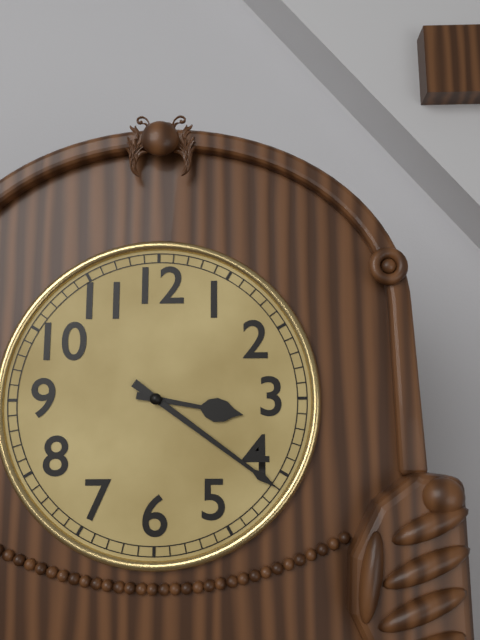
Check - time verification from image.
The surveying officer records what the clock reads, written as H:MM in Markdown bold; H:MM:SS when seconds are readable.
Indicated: **3:21**
